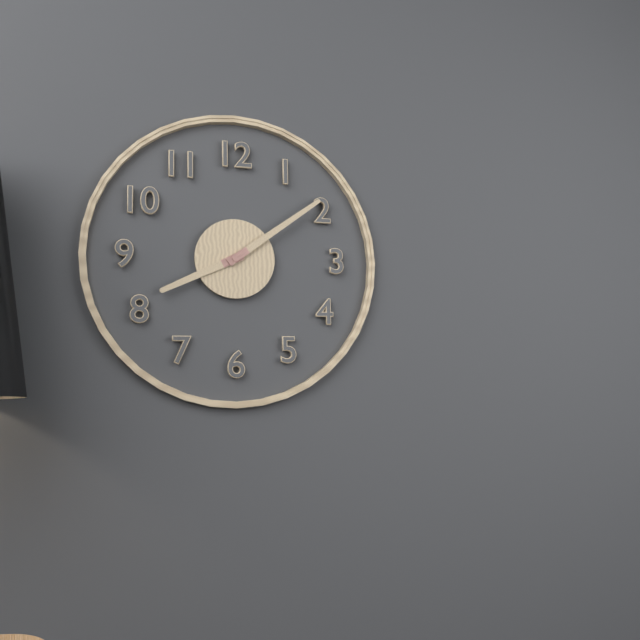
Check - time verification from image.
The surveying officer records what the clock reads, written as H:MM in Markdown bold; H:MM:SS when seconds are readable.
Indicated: **8:09**
